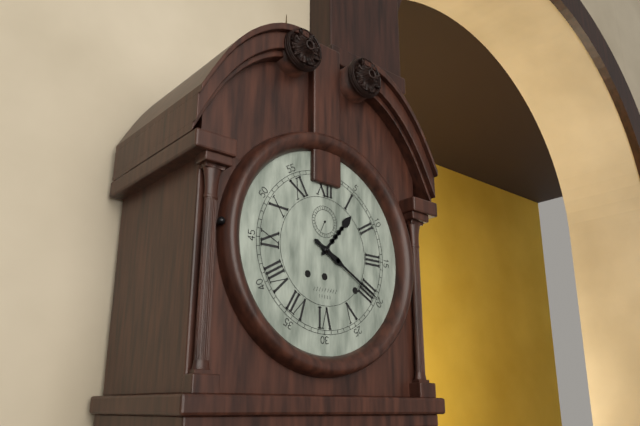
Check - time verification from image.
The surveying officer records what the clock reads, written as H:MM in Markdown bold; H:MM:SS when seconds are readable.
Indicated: **1:20**
